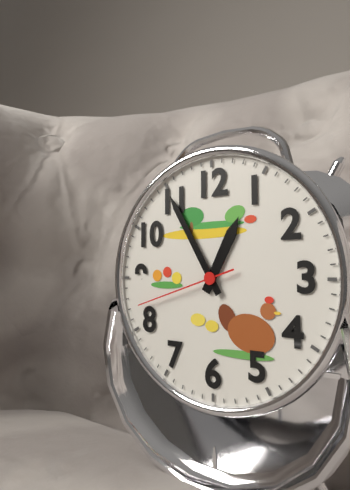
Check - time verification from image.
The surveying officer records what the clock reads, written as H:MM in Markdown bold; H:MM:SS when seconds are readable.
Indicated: **12:55:42**
